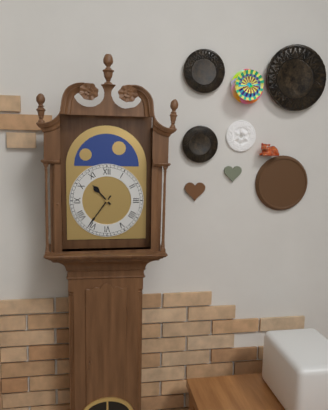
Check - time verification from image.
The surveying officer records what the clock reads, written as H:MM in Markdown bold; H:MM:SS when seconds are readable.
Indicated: **10:36**
